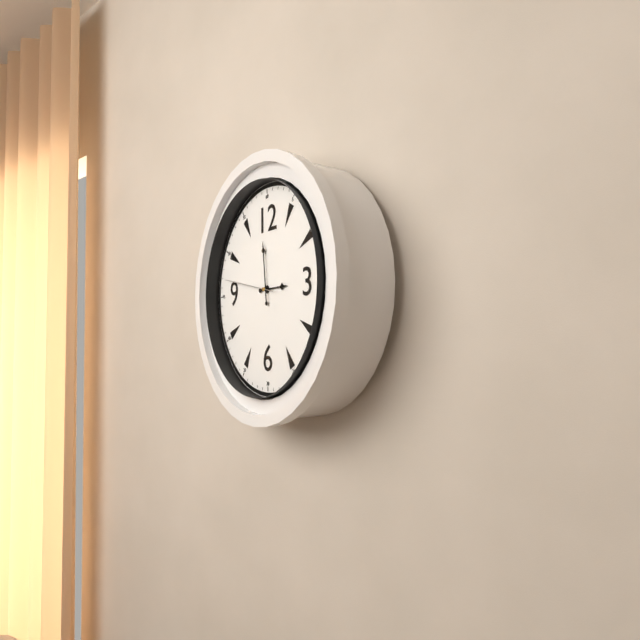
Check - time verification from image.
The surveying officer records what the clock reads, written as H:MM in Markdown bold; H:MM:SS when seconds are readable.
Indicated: **2:59:47**
